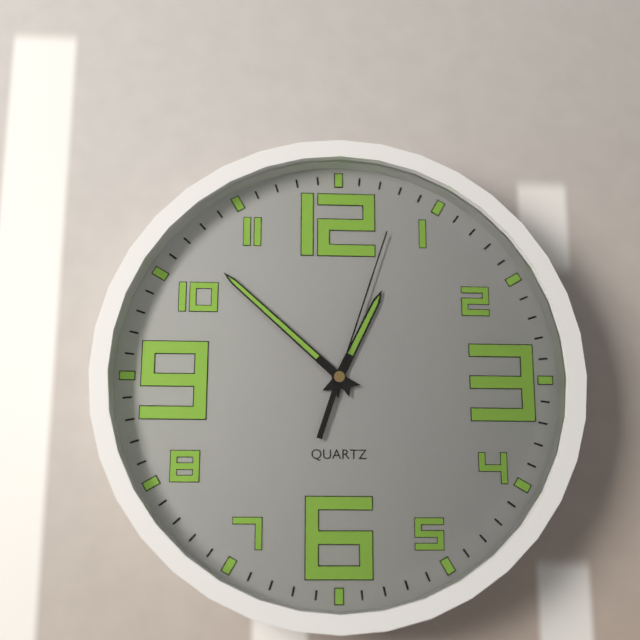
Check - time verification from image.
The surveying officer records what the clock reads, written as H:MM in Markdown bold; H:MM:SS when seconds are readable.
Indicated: **12:52:03**
